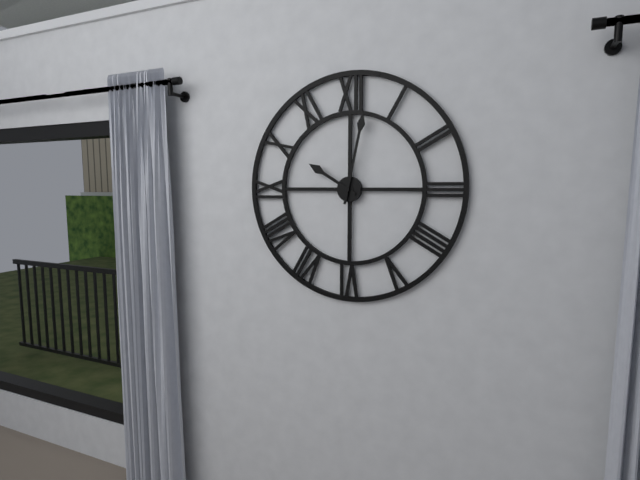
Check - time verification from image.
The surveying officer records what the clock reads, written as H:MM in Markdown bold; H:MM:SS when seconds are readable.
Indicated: **10:02**
